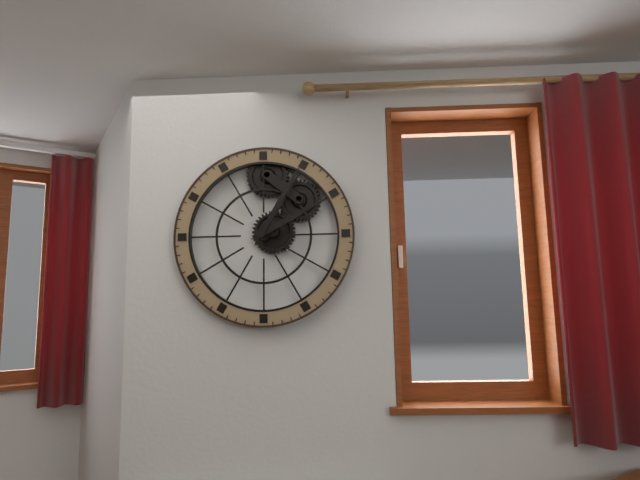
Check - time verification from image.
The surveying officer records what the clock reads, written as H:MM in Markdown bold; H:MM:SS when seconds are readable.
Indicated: **2:05**
